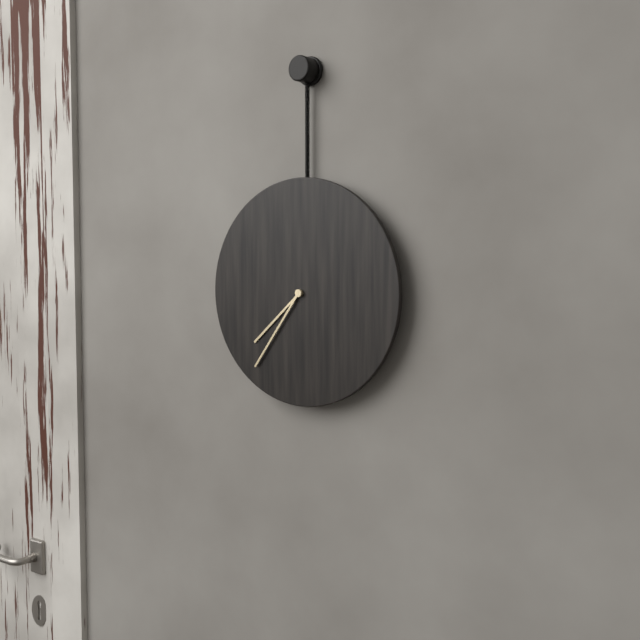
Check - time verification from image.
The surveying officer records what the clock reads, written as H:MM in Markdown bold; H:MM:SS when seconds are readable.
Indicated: **7:36**
